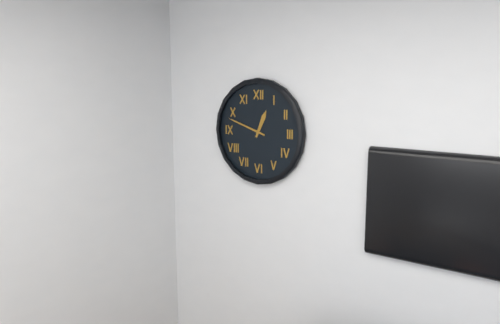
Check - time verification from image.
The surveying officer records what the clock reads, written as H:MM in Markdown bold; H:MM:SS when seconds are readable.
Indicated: **12:48**
